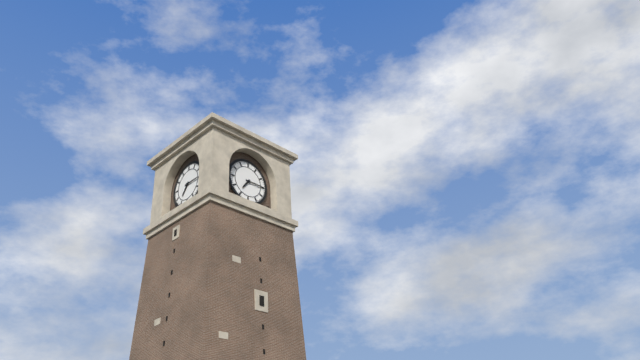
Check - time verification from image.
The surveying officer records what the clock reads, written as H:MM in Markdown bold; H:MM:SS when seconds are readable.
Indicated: **7:15**
